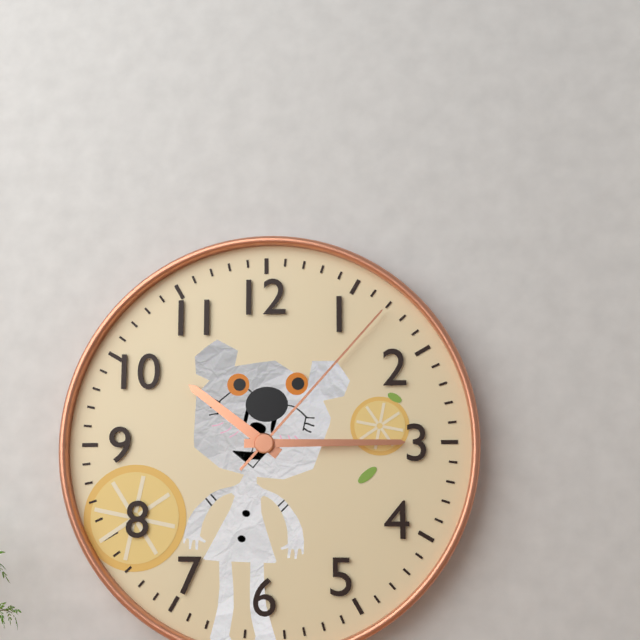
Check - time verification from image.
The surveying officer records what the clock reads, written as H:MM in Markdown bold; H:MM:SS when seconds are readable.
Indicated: **10:15:07**
